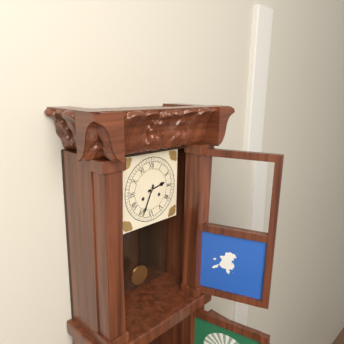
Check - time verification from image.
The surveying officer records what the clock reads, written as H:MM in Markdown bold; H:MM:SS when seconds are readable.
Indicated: **2:34**
